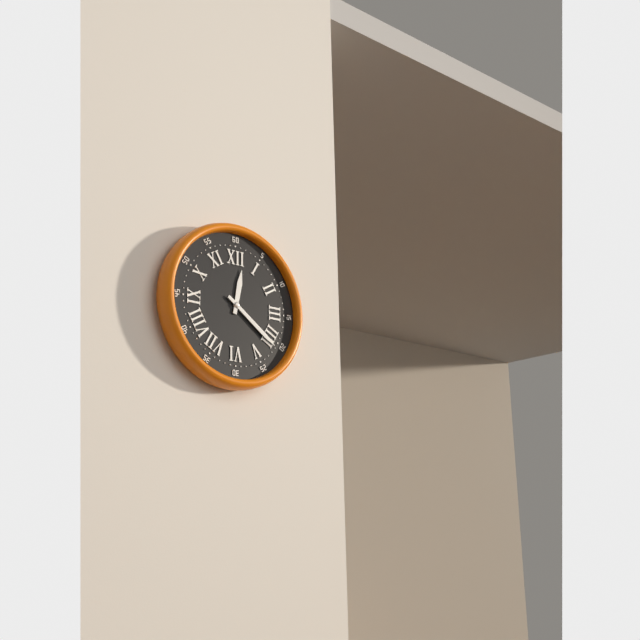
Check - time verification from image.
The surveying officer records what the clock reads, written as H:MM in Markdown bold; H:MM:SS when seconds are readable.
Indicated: **12:21**
